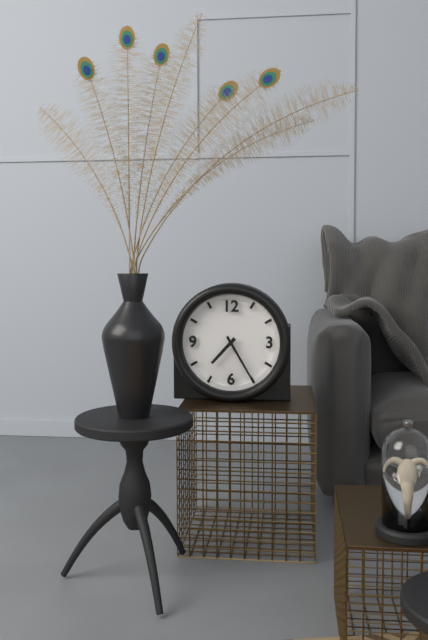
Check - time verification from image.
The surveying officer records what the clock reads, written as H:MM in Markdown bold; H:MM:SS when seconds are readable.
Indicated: **7:25**
